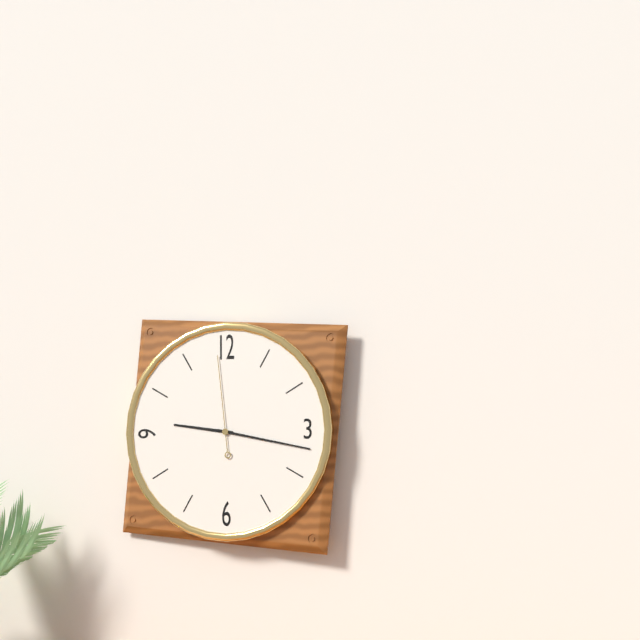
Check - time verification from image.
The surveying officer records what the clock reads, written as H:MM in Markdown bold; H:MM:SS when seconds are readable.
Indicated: **9:17:59**
